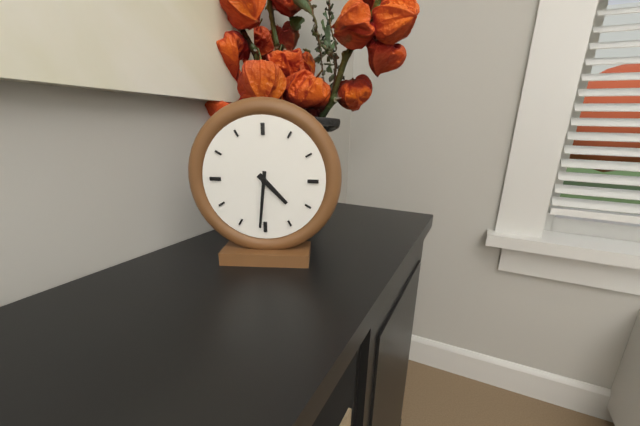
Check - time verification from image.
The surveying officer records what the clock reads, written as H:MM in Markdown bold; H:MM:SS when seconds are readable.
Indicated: **4:31**
